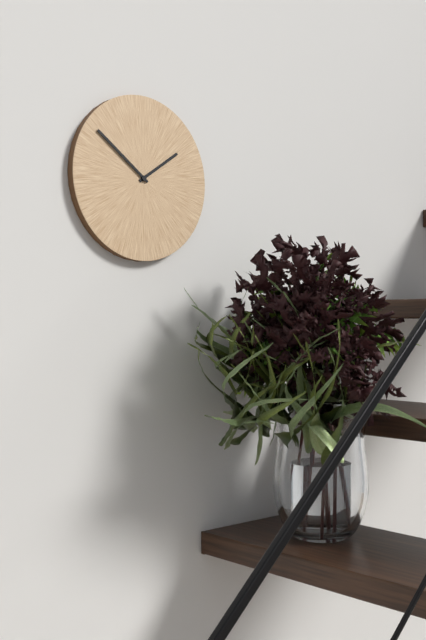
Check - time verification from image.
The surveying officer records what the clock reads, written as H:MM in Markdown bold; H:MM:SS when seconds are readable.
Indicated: **1:51**
